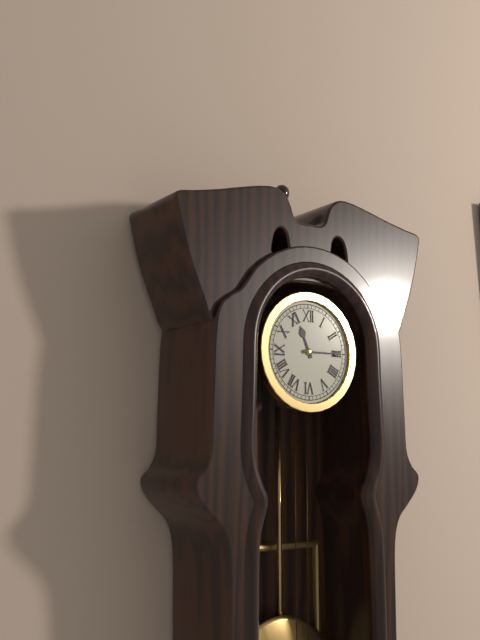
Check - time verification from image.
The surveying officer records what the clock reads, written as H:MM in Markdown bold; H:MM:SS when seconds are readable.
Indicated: **11:15**
